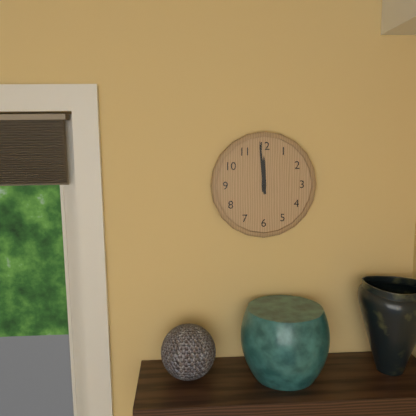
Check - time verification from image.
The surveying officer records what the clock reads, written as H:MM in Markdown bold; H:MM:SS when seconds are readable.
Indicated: **11:59**
